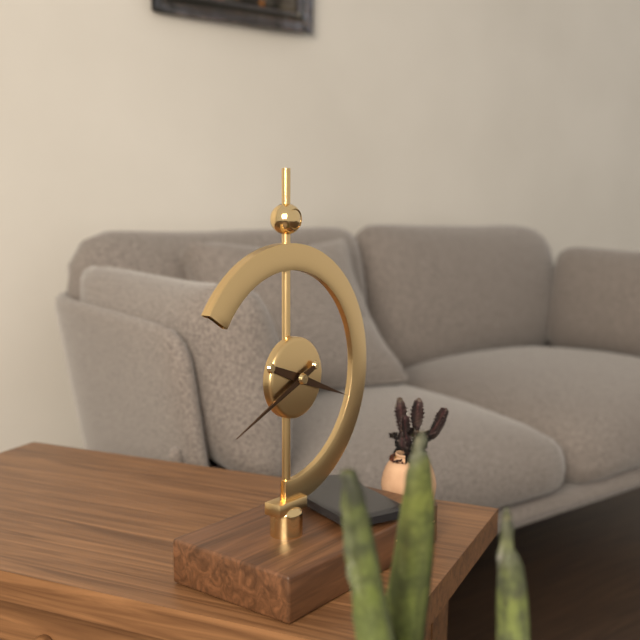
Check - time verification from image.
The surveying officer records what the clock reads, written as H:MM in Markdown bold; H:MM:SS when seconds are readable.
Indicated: **3:41**
